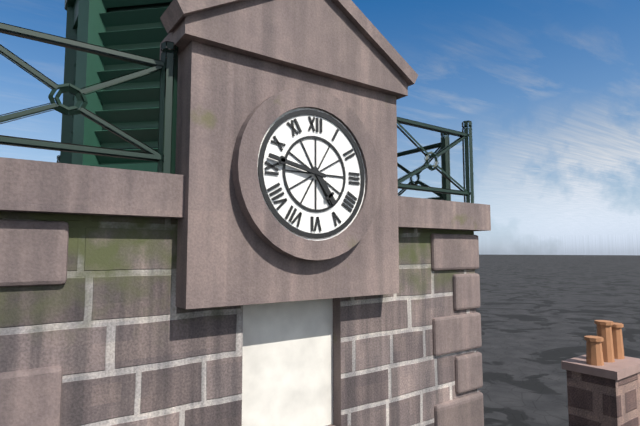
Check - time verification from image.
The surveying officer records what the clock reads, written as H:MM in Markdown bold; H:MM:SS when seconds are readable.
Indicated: **4:47**
